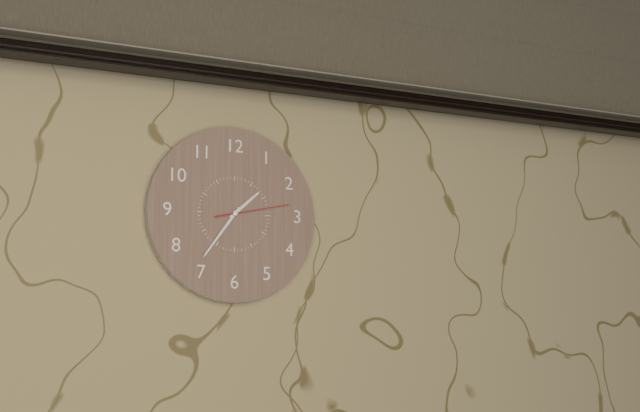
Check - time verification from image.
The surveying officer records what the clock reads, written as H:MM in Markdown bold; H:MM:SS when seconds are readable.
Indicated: **1:36:13**
